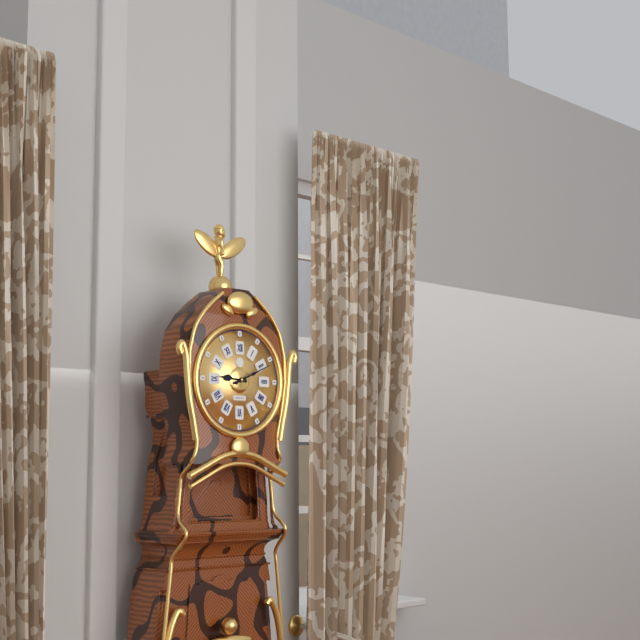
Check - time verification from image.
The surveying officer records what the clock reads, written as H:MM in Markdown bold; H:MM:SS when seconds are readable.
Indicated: **9:11**
